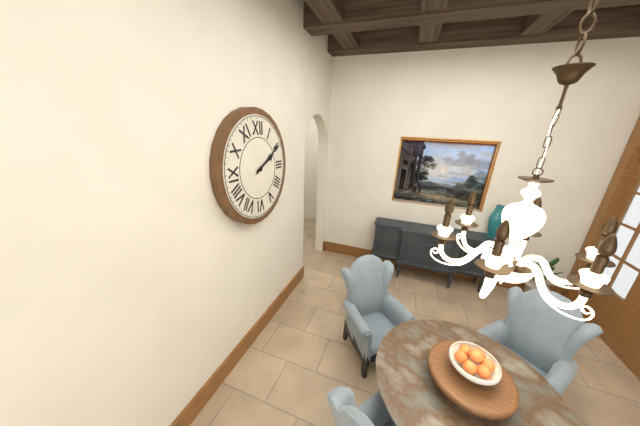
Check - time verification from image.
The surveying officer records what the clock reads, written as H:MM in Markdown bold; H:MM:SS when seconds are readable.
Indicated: **2:10**
